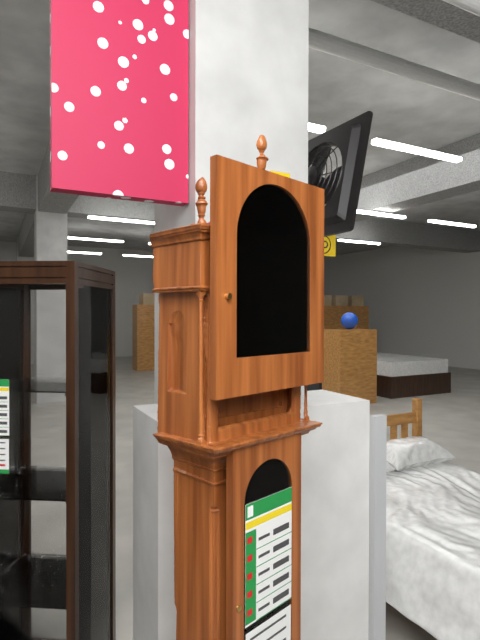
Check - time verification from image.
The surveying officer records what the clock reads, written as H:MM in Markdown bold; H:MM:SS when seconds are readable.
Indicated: **11:57**
